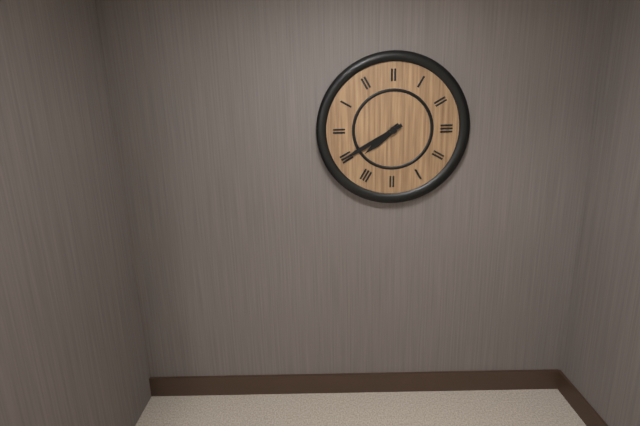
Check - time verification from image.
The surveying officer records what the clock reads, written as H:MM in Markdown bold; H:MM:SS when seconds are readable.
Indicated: **7:40**
